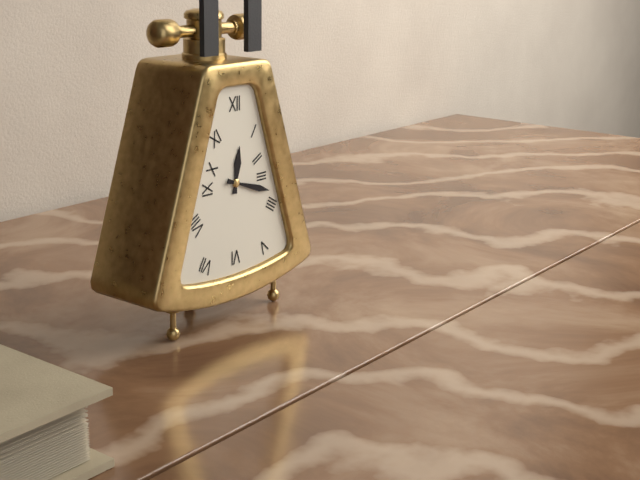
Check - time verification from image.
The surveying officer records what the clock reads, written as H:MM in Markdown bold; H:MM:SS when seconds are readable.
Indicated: **12:18**
